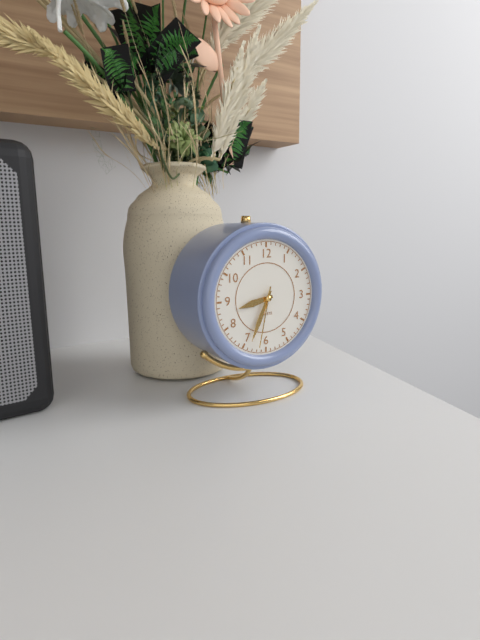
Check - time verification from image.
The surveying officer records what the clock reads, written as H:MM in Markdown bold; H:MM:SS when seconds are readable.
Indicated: **8:34:32**
